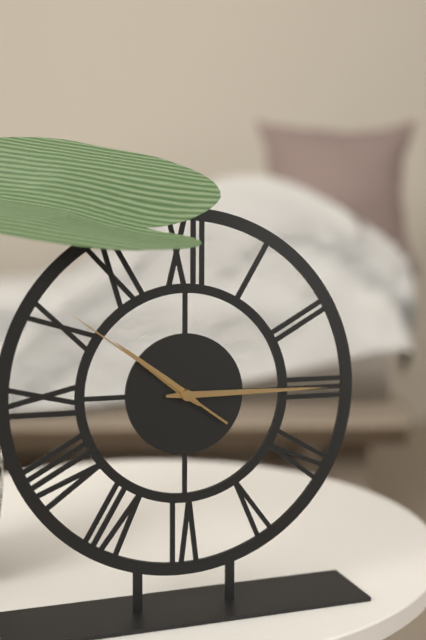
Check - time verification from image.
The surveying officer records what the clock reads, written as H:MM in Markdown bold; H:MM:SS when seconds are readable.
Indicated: **10:15:51**
